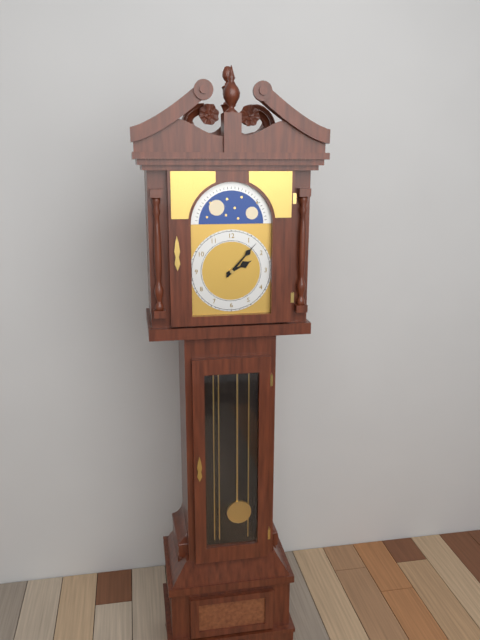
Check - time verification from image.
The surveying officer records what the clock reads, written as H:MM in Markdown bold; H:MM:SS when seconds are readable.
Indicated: **2:07**
